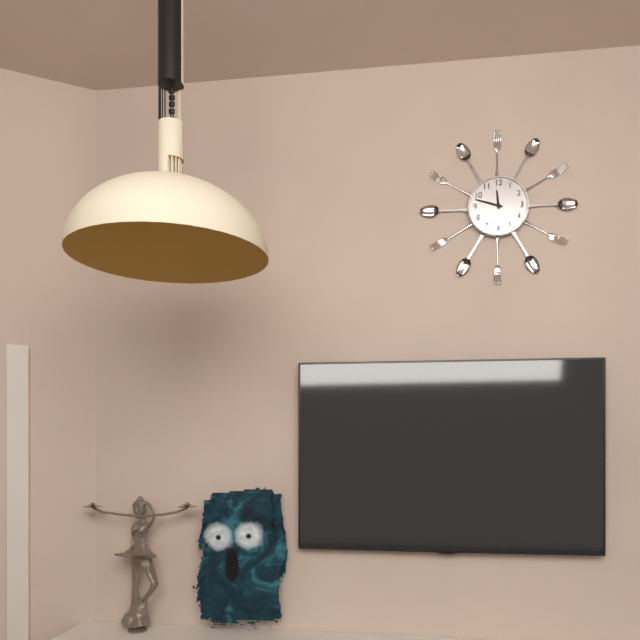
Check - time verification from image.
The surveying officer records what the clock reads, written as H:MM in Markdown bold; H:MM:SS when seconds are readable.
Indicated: **11:48**
